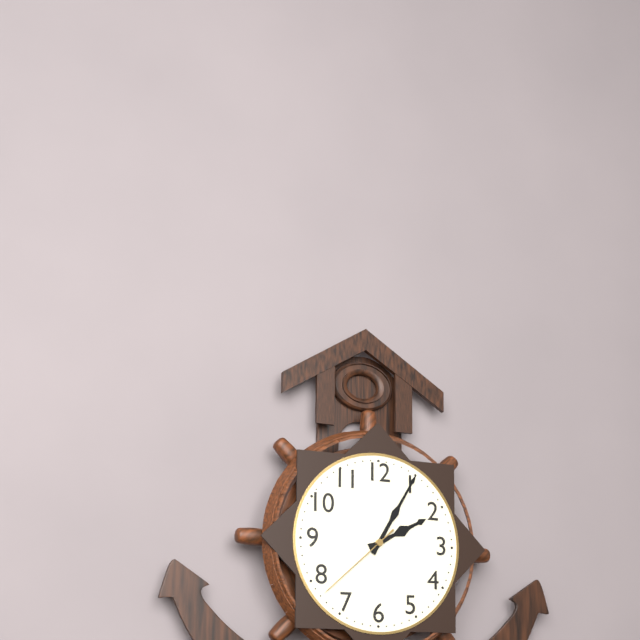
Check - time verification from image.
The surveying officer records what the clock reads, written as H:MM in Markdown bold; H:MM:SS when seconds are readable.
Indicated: **2:05:38**
